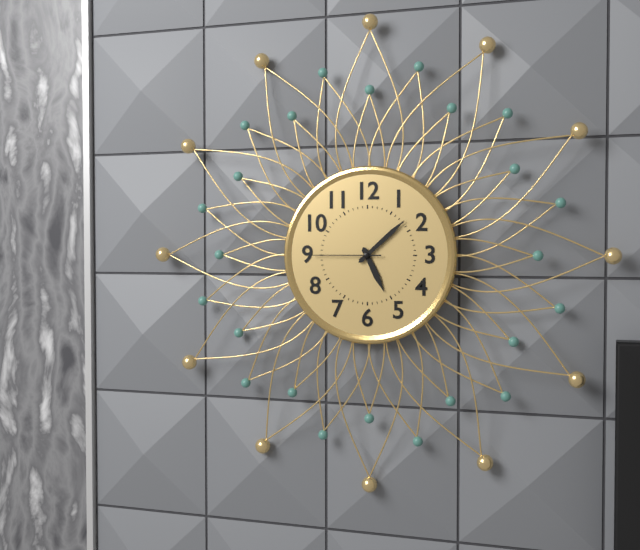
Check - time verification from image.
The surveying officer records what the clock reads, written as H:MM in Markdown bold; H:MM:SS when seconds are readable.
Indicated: **5:08:45**
